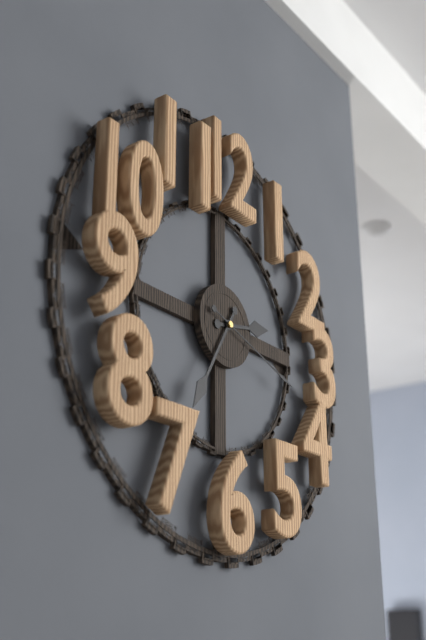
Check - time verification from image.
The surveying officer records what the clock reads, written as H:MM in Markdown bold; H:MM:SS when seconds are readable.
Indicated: **2:35:18**
